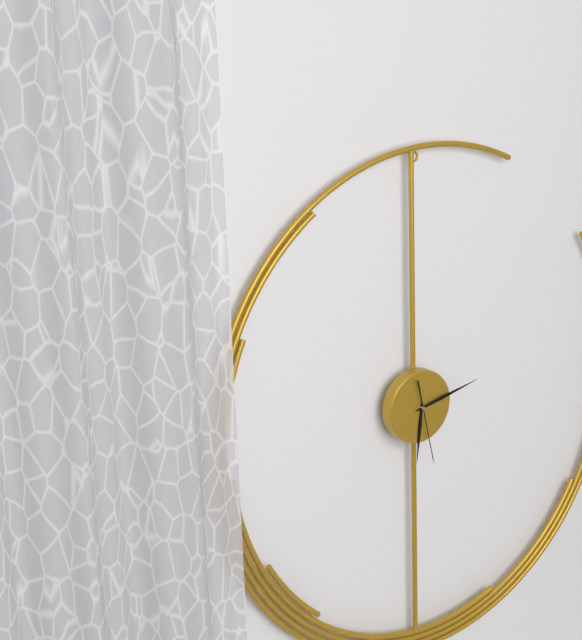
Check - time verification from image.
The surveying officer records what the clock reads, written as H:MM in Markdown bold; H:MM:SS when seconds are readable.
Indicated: **6:13:28**
